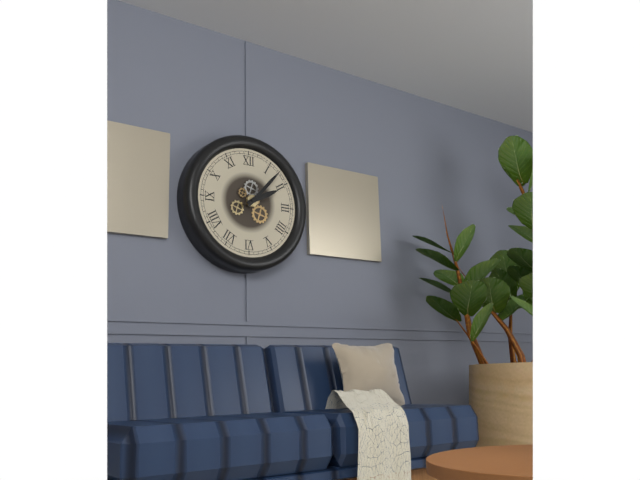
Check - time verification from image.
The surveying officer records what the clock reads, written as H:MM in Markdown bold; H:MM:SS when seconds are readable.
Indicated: **2:07**
